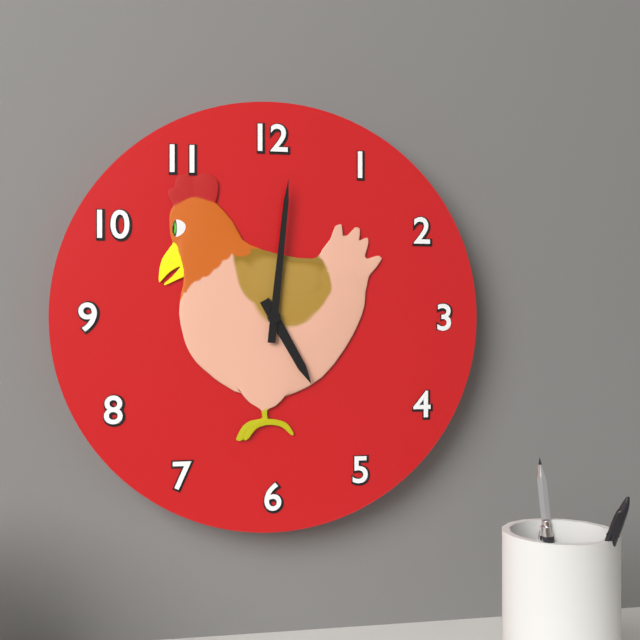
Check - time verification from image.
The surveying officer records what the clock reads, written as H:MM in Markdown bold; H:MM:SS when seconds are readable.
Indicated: **5:01**
